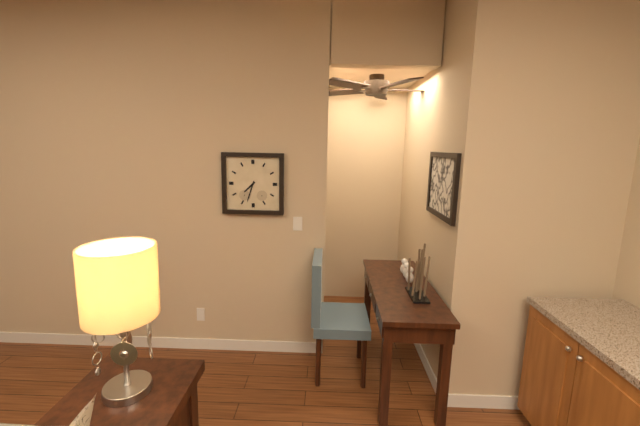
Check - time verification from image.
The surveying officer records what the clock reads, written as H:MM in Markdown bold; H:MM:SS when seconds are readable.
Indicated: **7:33**
